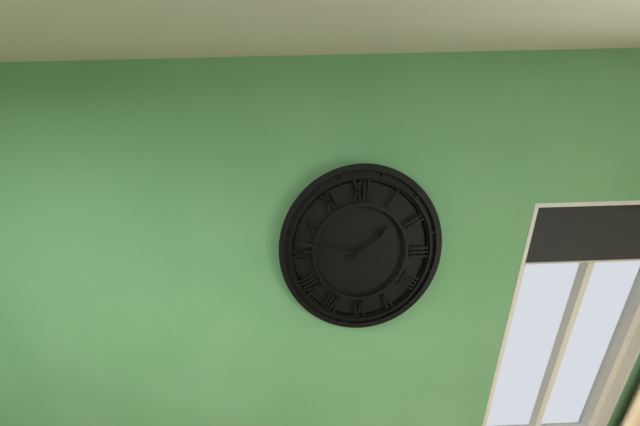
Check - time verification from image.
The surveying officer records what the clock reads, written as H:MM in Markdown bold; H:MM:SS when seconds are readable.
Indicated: **1:47**
